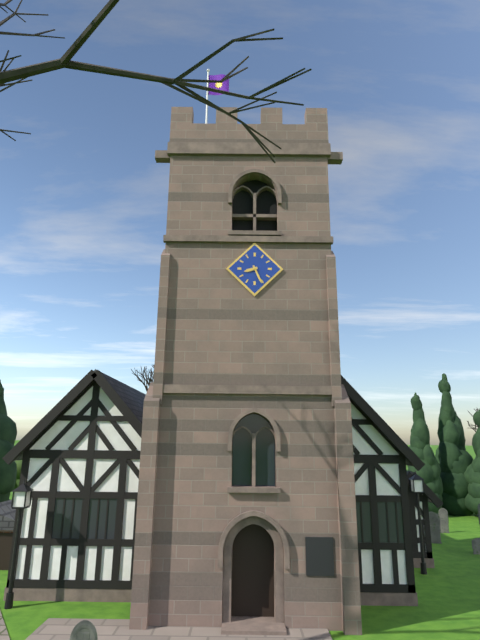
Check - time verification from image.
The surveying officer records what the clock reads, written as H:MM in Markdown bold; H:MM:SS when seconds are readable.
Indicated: **8:26**
